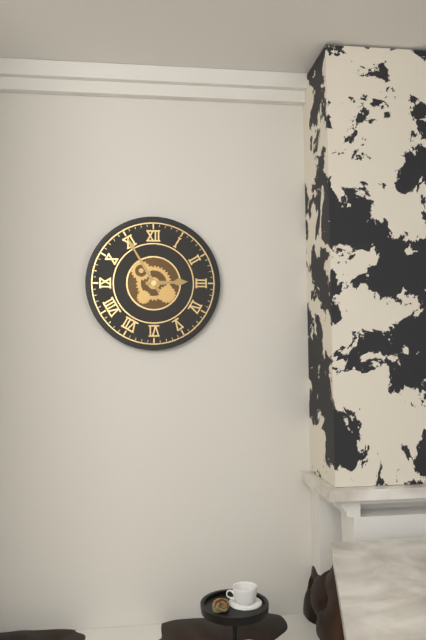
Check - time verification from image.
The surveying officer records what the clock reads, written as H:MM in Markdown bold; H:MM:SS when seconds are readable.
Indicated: **2:55**
